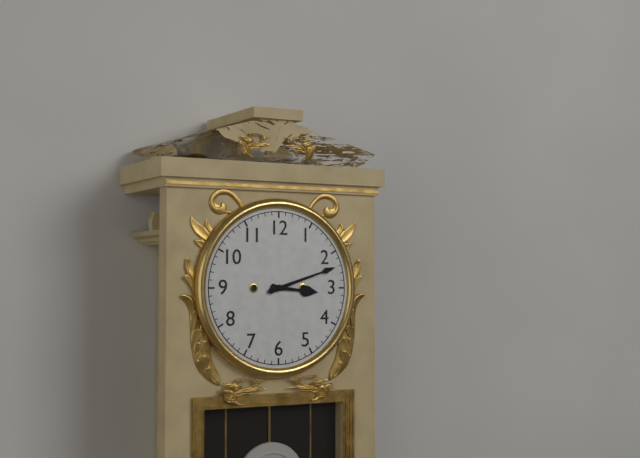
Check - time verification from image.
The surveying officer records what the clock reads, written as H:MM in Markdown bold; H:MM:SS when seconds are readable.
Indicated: **3:12**
